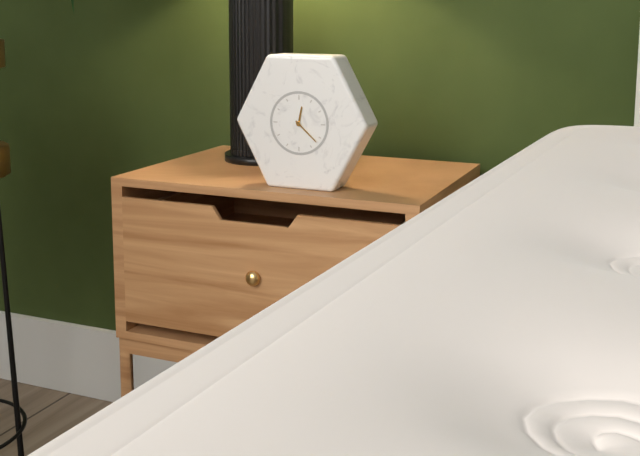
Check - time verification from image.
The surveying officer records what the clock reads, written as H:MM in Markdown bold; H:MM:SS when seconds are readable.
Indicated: **12:22**
